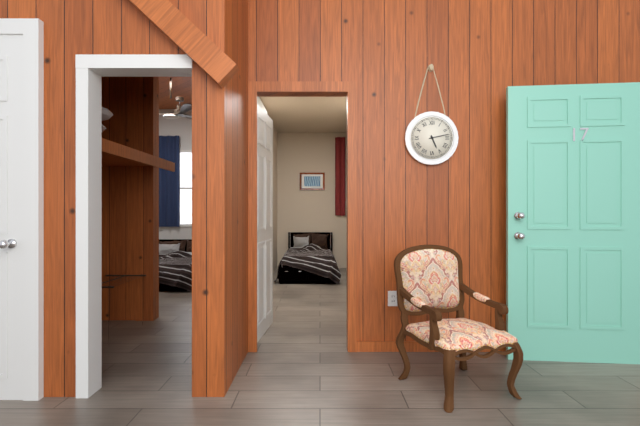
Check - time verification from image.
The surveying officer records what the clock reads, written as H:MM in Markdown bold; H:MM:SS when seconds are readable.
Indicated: **5:13**
